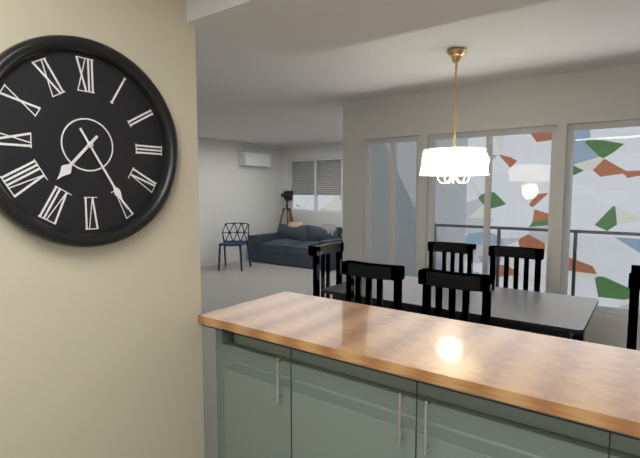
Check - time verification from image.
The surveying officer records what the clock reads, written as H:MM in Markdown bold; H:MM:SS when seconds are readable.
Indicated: **7:25**
